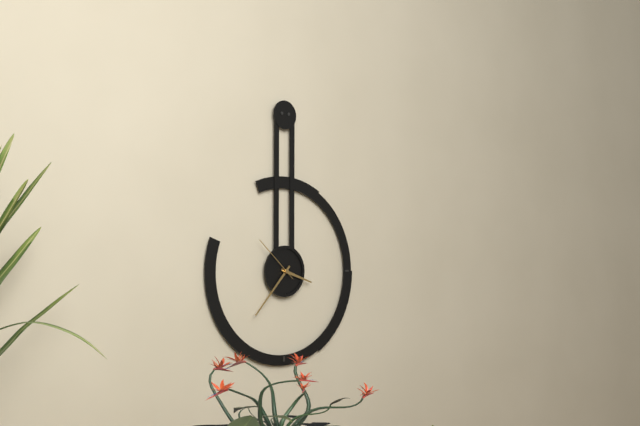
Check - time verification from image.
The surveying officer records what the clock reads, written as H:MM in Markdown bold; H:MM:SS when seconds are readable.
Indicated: **3:37:52**
